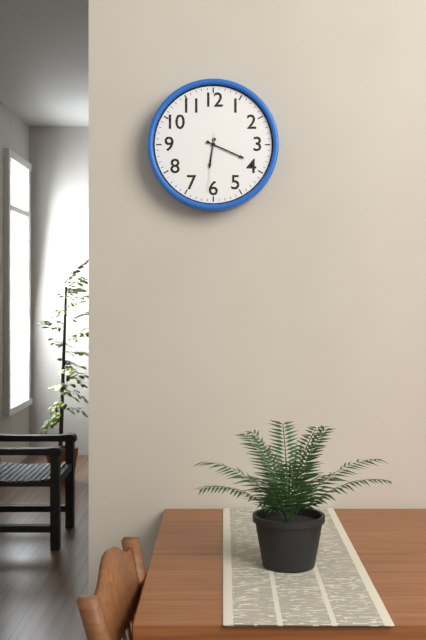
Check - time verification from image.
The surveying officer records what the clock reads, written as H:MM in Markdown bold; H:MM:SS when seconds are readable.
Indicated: **6:19:31**
